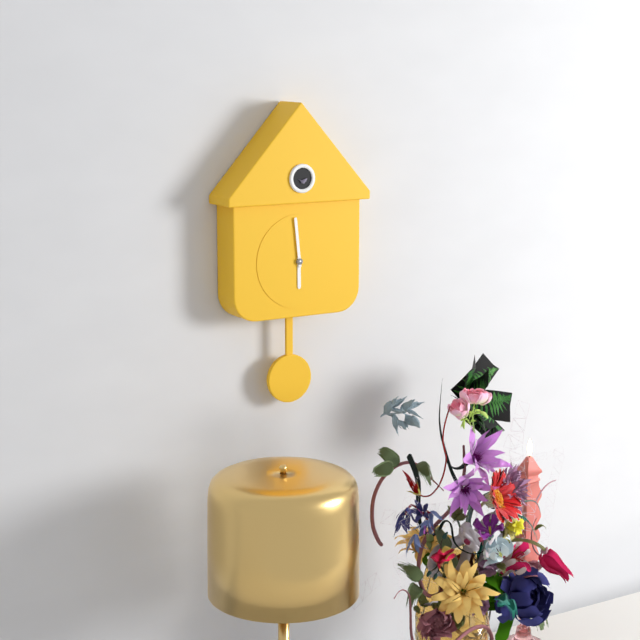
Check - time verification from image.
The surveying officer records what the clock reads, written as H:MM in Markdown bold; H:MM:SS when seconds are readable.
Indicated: **5:59**
